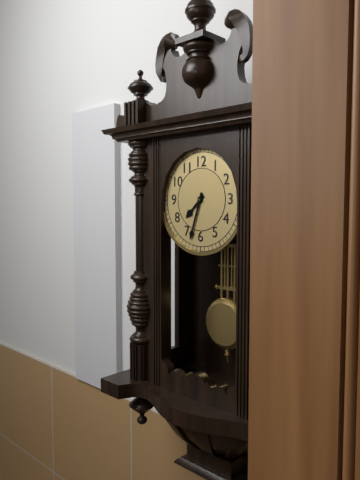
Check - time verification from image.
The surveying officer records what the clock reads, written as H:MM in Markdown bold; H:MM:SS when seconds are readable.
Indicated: **7:33**
